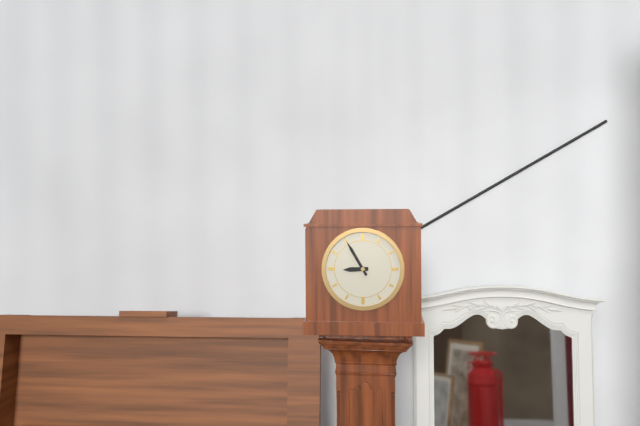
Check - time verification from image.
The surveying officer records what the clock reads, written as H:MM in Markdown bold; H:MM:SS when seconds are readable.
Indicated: **8:55**
